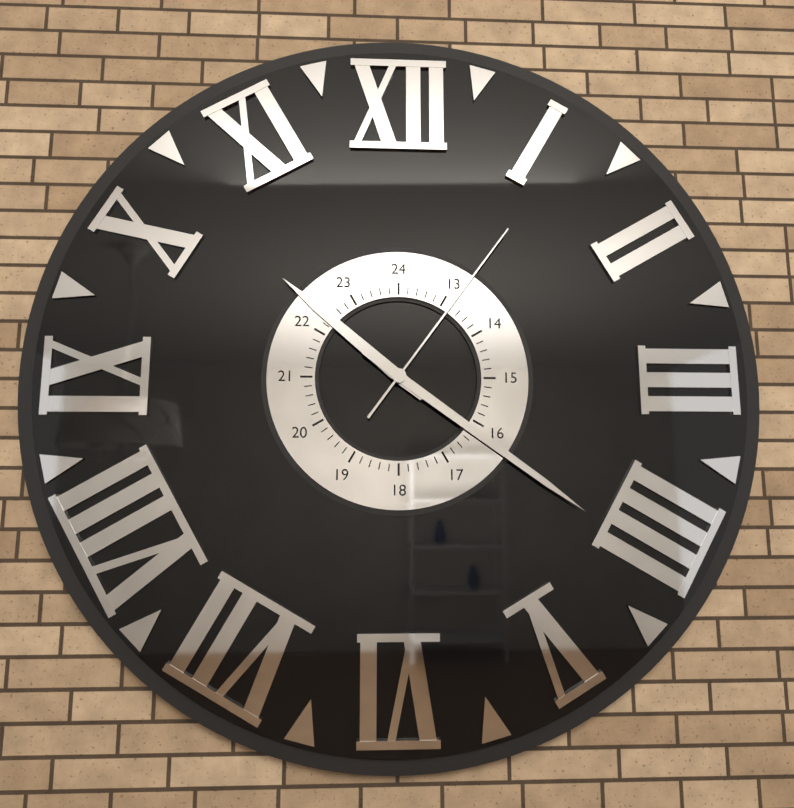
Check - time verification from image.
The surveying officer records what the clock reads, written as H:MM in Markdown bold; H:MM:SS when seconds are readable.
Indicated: **10:21:06**
